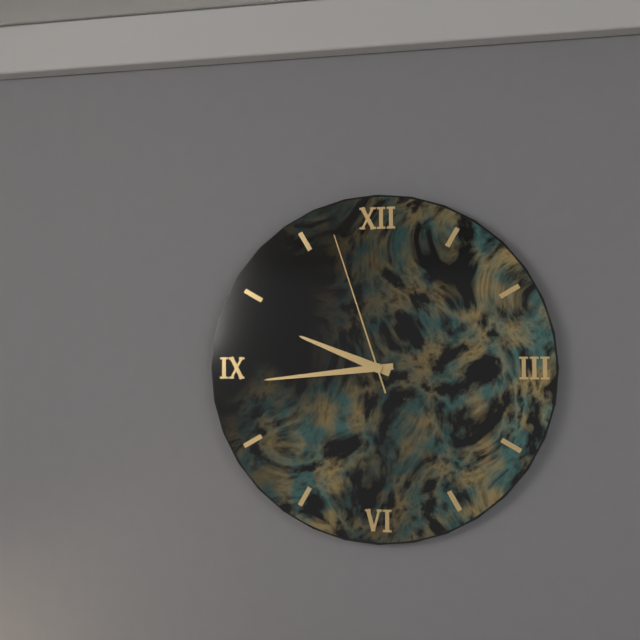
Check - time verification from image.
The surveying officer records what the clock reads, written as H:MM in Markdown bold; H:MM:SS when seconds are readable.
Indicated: **9:44:57**
